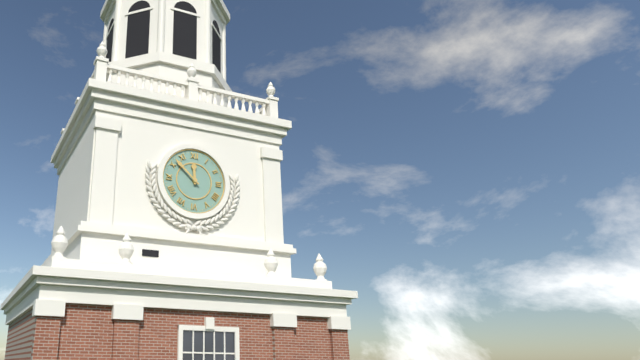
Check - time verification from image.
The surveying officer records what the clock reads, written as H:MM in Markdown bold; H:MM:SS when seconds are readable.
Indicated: **11:52**
